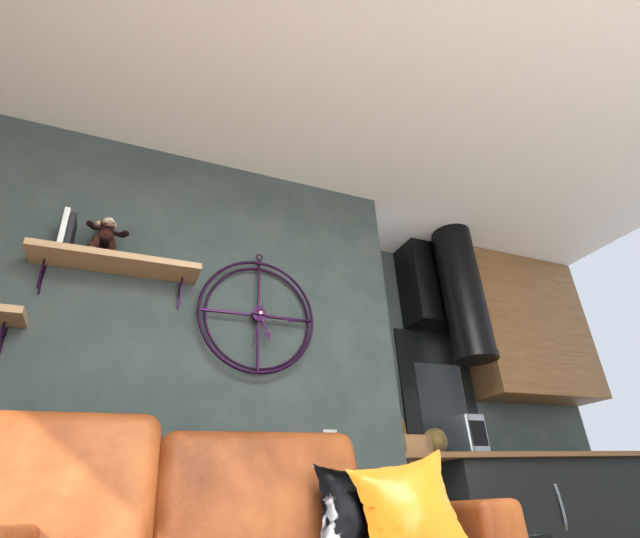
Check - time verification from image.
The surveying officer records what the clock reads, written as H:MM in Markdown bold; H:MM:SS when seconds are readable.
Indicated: **5:16**
